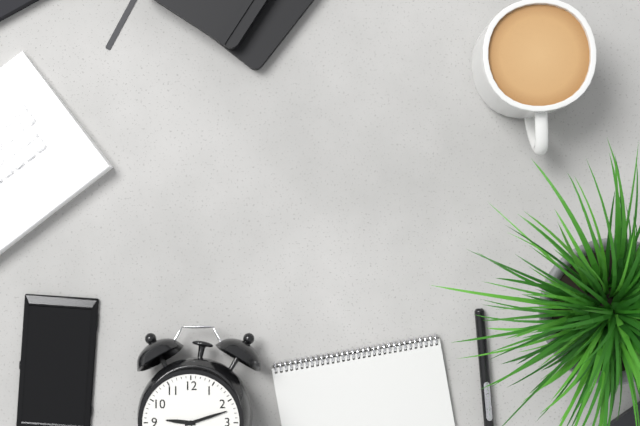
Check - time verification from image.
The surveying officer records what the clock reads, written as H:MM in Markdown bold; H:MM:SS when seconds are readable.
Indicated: **9:12**
